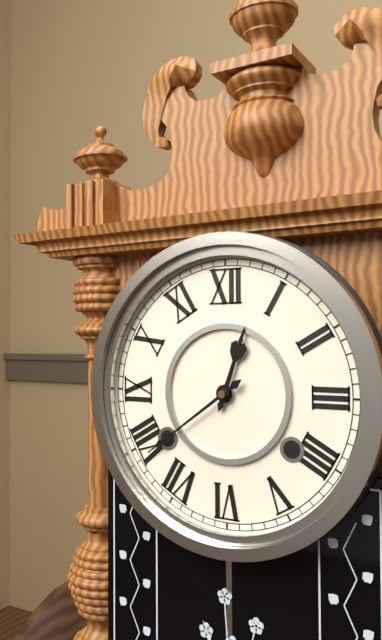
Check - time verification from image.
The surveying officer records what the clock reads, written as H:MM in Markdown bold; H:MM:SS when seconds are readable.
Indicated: **12:39**
